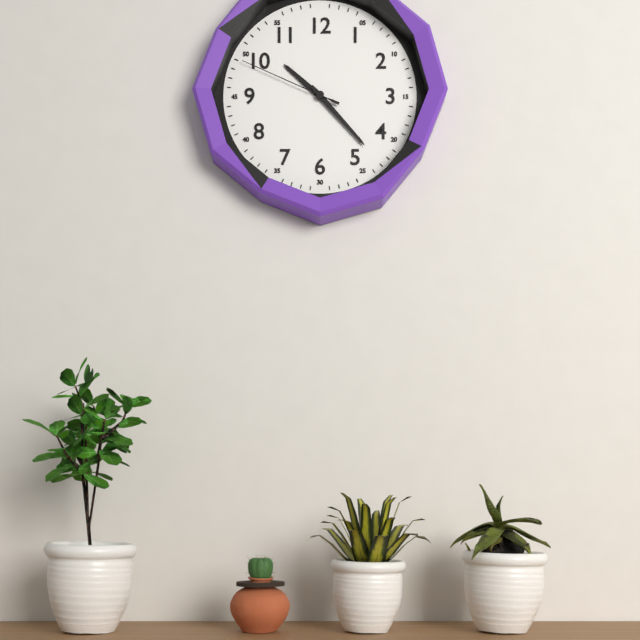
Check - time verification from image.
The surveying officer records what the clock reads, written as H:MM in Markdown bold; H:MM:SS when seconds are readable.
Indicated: **10:23:49**
